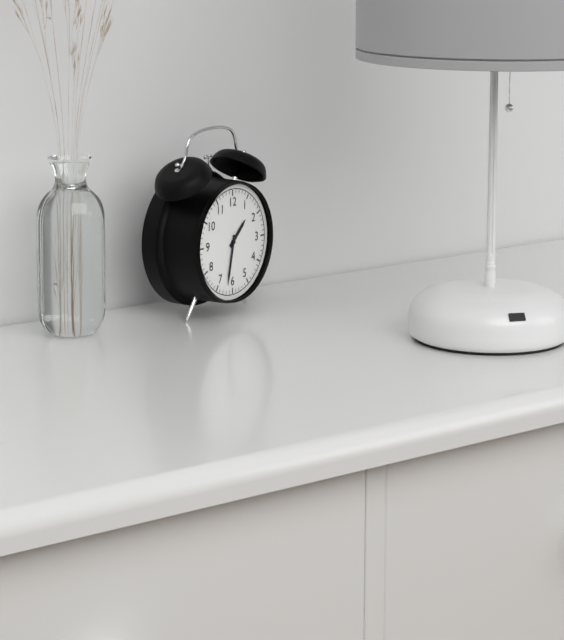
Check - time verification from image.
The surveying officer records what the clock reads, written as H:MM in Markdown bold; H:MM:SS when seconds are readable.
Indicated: **1:32**
